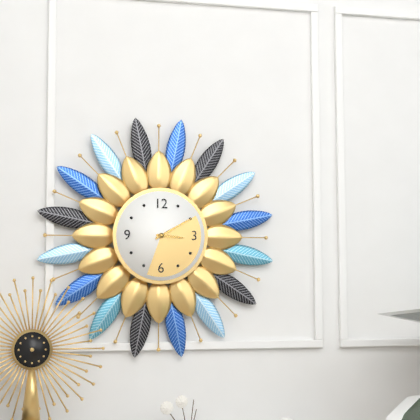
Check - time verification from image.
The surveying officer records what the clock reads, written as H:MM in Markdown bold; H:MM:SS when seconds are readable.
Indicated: **3:10**
